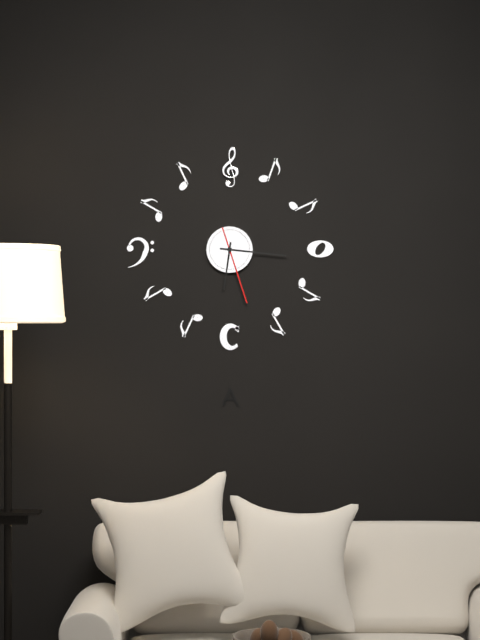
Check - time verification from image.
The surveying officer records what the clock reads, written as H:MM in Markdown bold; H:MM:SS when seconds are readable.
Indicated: **6:16:27**
